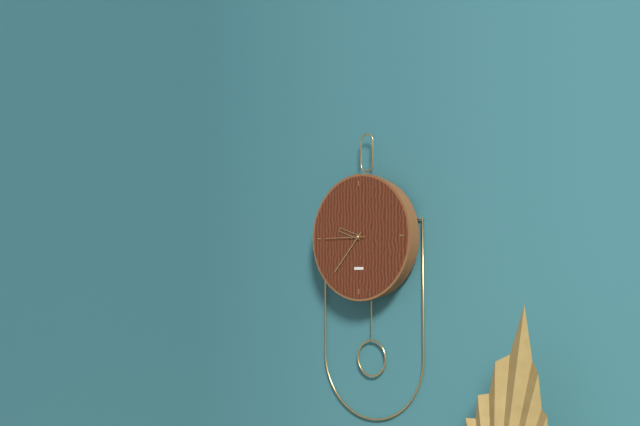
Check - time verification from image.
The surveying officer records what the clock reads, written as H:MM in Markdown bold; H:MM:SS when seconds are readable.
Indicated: **9:37**
